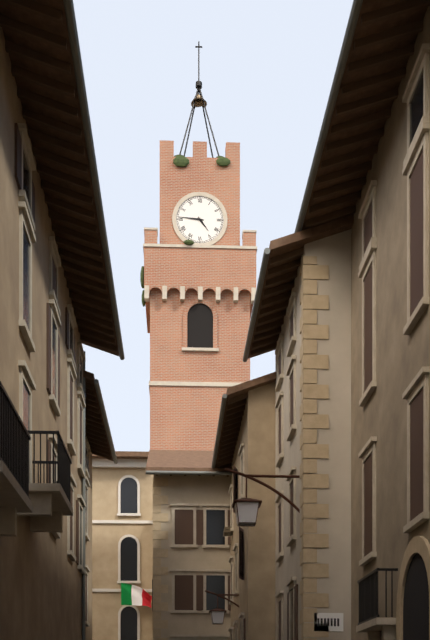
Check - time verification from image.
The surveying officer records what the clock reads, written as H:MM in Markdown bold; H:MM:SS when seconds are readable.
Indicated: **4:46**
